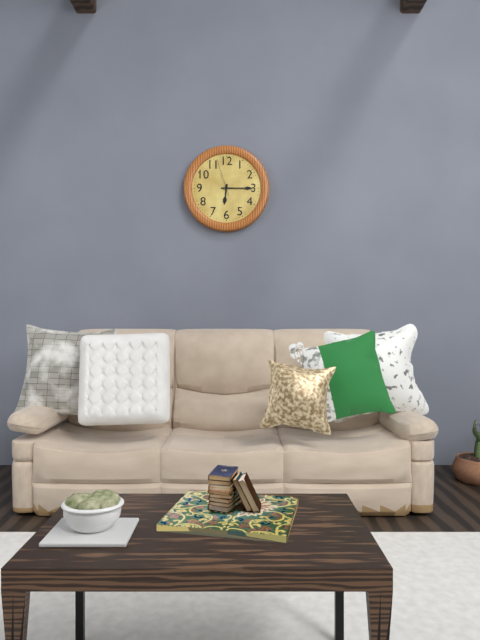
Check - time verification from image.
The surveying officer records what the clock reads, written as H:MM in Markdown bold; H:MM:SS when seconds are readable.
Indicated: **6:15**
